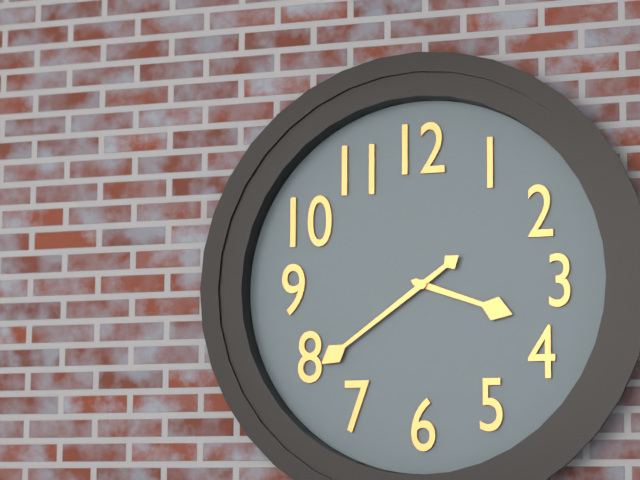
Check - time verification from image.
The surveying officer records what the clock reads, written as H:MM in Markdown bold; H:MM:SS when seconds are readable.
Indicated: **3:39**
